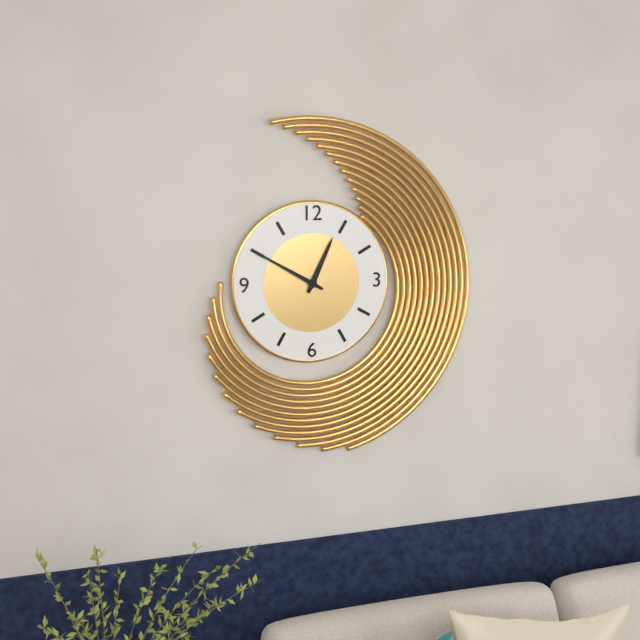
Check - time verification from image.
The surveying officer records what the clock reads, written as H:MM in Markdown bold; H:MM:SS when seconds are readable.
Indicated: **12:50**
